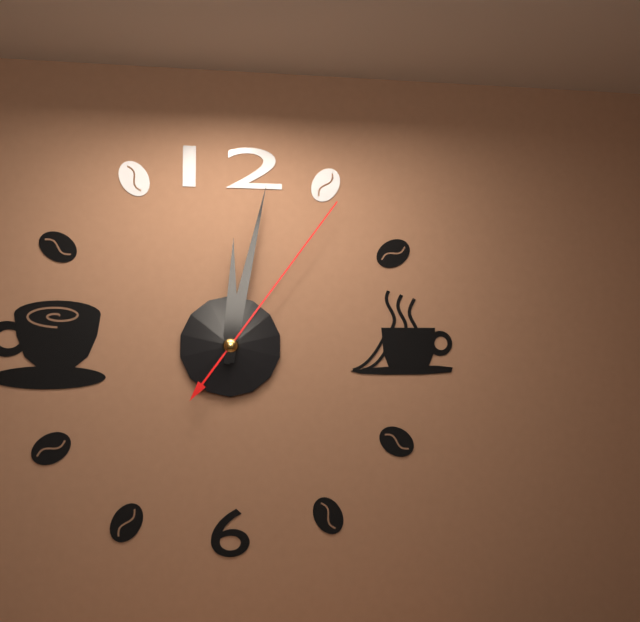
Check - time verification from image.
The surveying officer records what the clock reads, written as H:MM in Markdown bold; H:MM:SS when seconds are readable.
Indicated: **12:02:06**
